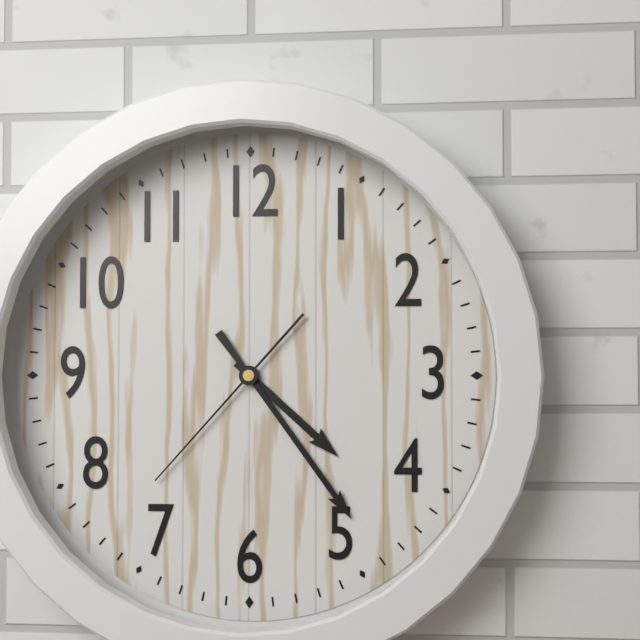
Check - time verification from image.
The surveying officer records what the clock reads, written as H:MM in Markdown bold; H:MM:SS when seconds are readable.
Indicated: **4:24:37**
